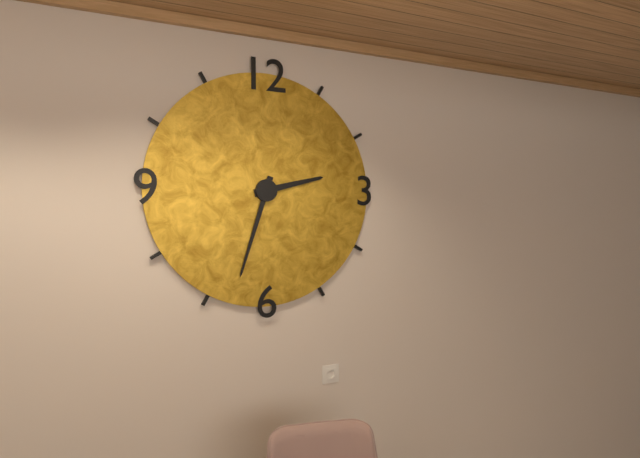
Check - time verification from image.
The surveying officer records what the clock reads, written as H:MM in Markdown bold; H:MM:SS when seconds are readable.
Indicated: **2:33**
